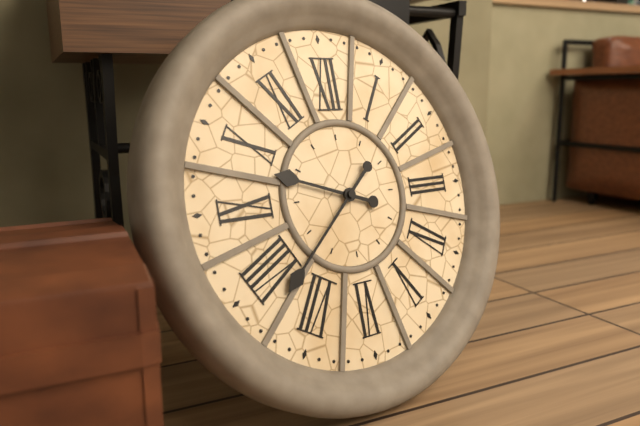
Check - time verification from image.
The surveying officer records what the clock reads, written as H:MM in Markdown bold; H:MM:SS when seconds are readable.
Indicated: **9:38**
